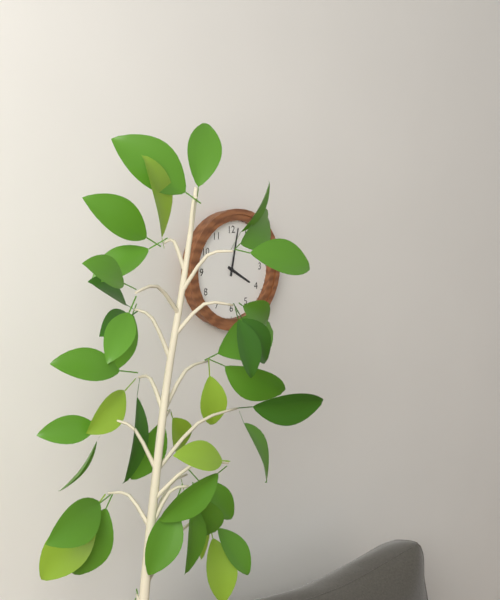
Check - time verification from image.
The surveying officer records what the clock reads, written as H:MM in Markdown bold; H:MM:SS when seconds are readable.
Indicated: **4:02**
